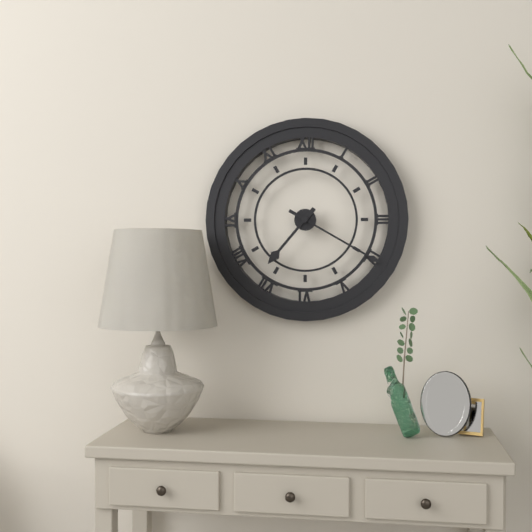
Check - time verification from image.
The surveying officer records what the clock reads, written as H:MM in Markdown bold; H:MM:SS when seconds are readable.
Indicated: **7:20**
